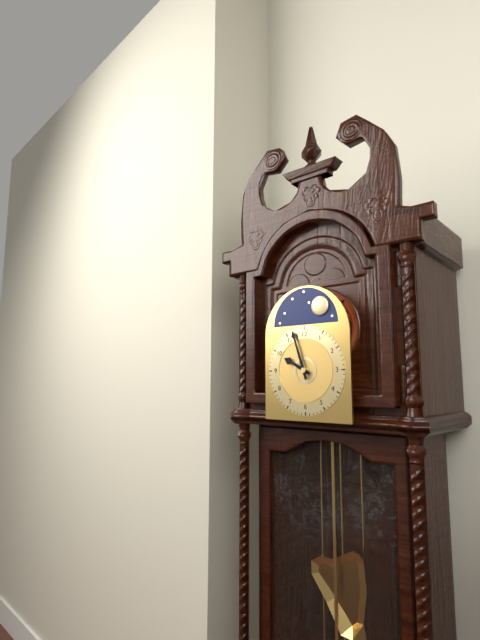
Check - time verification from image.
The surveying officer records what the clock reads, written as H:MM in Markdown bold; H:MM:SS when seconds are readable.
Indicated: **9:57**
